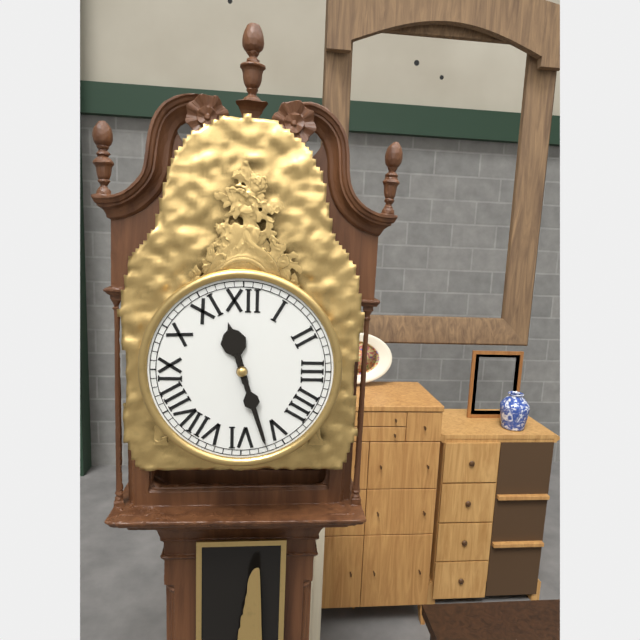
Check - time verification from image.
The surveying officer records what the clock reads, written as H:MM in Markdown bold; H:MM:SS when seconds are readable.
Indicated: **11:27**
